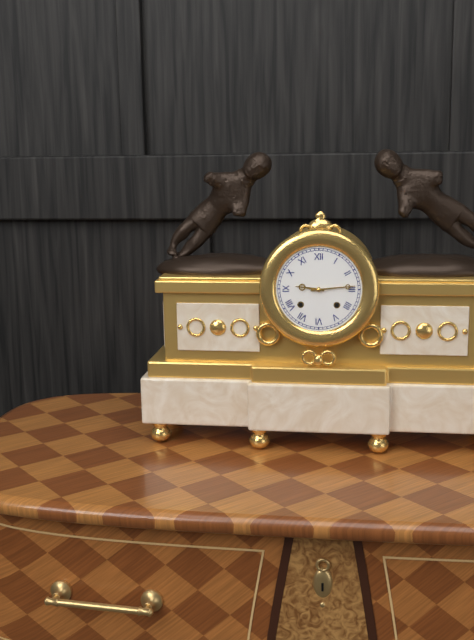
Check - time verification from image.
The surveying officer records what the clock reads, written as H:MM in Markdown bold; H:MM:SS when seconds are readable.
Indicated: **9:14**
